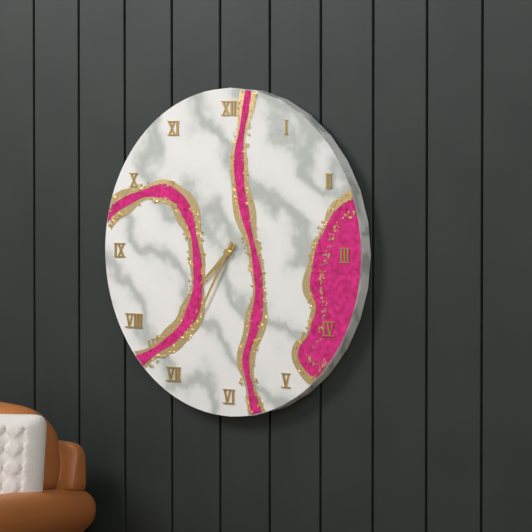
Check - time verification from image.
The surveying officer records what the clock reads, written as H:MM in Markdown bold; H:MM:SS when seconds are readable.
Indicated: **7:35**
